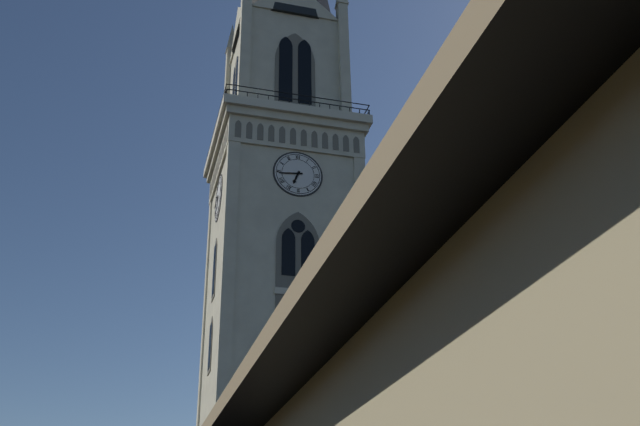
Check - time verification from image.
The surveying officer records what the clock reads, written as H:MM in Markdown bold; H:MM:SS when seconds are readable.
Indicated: **6:44**
